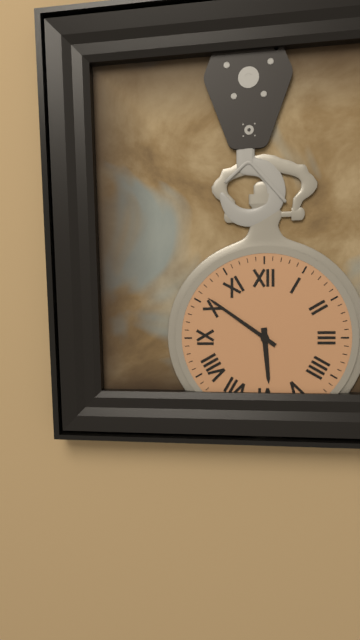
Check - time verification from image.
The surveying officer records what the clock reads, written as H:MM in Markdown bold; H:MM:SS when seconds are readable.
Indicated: **5:51**
